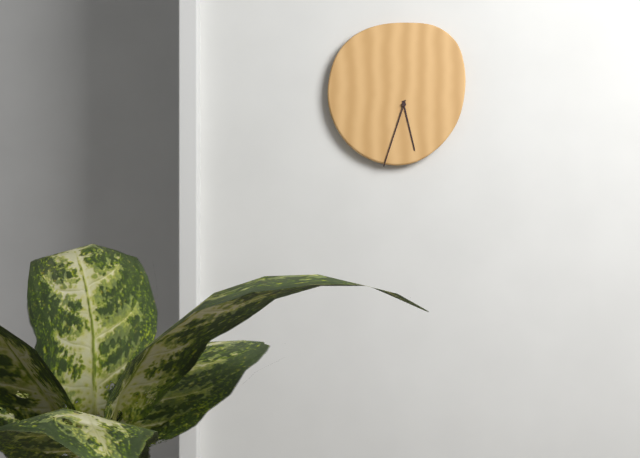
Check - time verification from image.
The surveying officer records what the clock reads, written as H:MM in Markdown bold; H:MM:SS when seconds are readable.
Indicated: **5:33**
